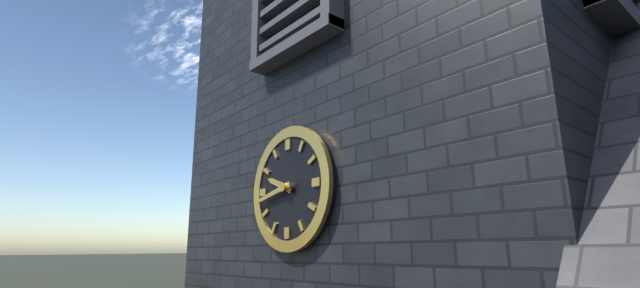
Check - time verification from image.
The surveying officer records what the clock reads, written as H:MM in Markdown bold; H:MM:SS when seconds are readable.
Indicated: **9:43**
